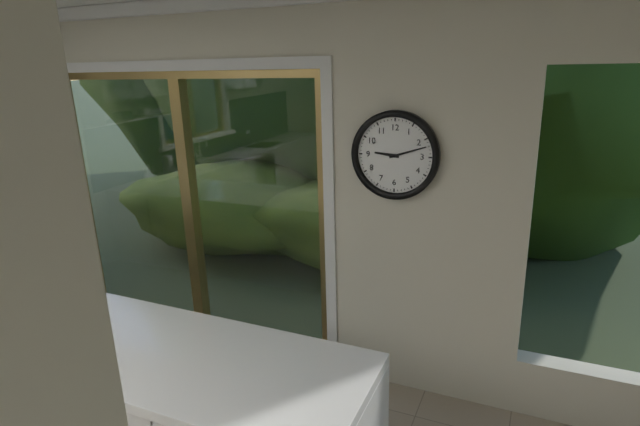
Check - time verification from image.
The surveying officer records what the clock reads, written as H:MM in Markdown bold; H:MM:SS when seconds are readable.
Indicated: **9:12**
